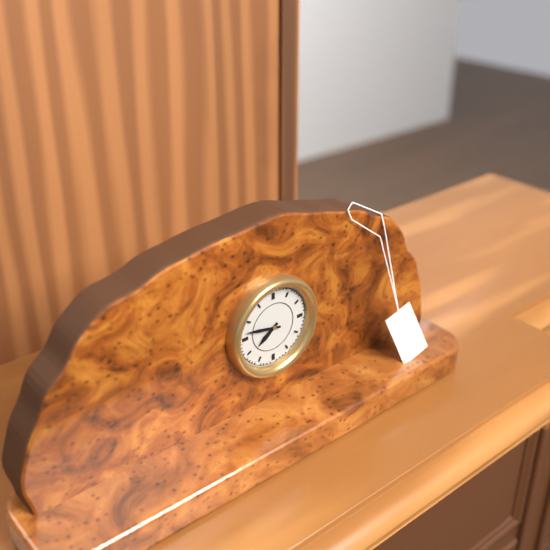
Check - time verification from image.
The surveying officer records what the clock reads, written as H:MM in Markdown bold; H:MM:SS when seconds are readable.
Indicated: **7:47**
